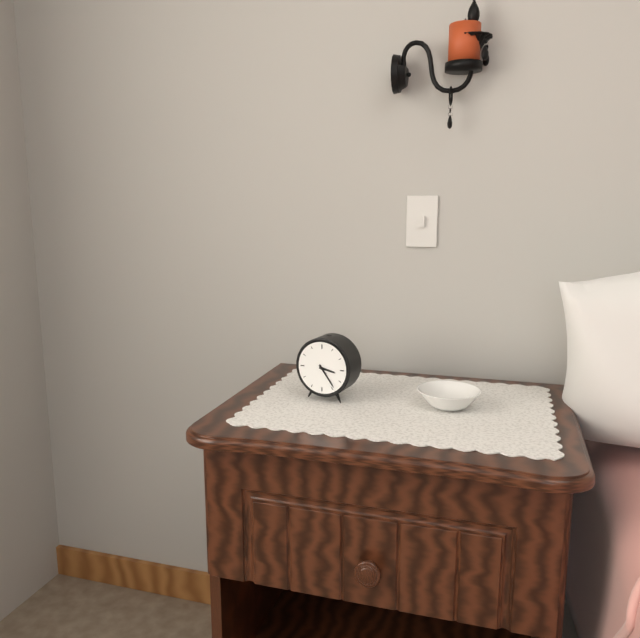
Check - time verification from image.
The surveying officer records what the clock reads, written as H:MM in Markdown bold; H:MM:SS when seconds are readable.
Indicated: **3:24**
